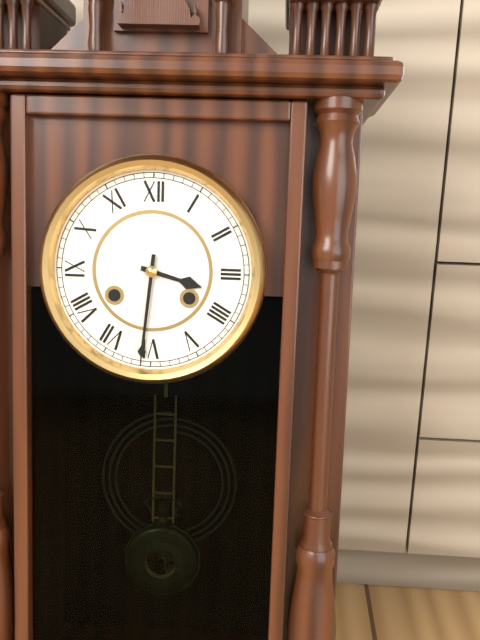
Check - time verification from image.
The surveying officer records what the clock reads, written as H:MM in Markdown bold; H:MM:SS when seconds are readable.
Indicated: **3:31**
